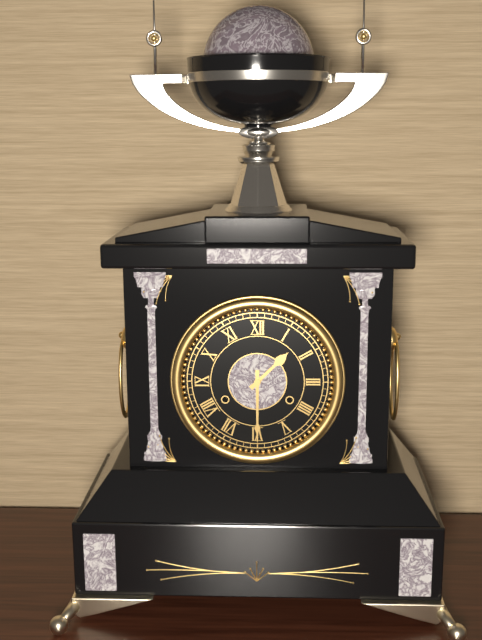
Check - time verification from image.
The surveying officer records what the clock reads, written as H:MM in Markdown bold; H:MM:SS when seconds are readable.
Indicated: **1:30**
